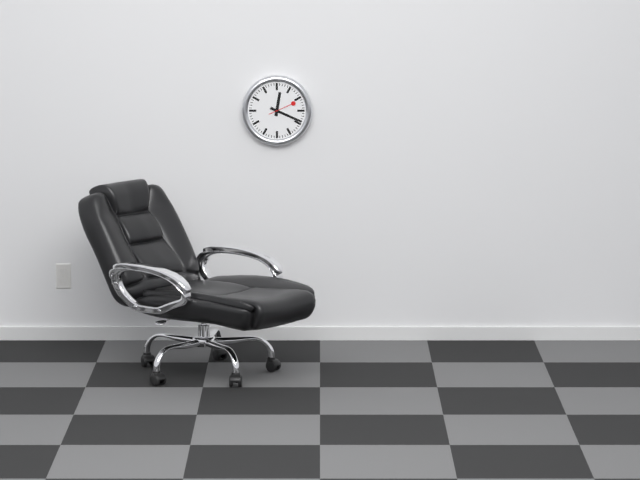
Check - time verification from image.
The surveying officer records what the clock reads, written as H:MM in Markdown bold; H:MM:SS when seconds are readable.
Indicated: **12:19**
